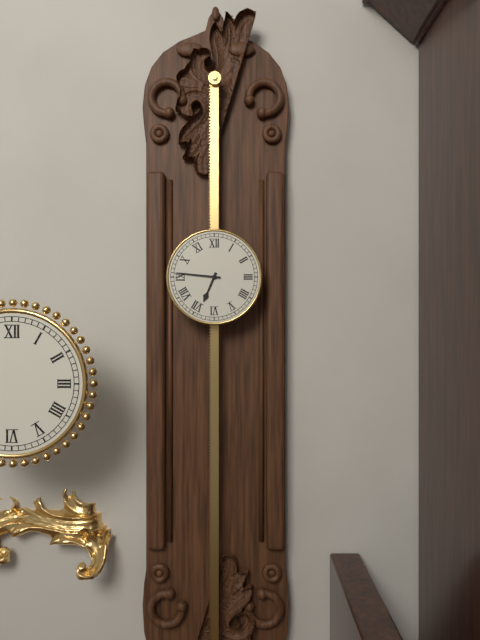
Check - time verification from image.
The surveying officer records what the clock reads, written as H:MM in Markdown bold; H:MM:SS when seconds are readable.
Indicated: **6:46**
